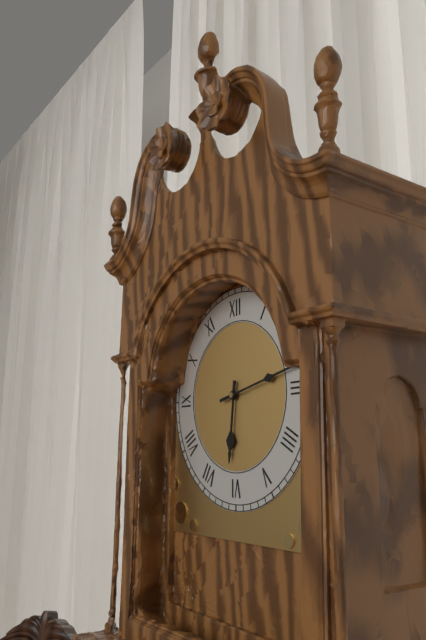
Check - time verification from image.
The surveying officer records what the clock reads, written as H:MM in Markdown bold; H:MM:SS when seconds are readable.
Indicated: **6:13**
